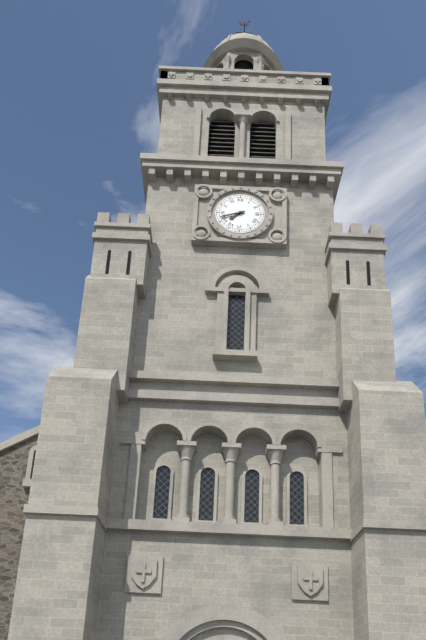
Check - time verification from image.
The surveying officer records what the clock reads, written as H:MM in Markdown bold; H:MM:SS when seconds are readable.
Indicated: **7:42**
